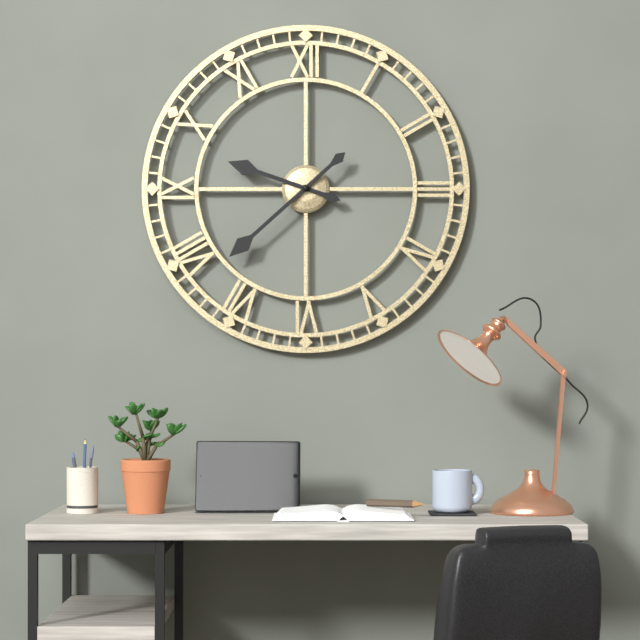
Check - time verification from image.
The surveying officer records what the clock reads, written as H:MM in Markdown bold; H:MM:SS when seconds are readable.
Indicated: **9:38**
